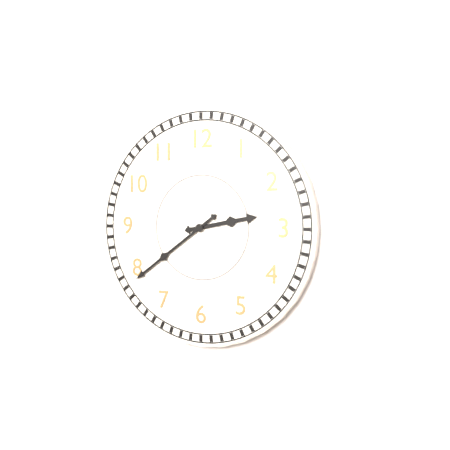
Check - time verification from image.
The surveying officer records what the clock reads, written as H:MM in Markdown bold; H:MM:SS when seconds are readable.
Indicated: **2:39**
